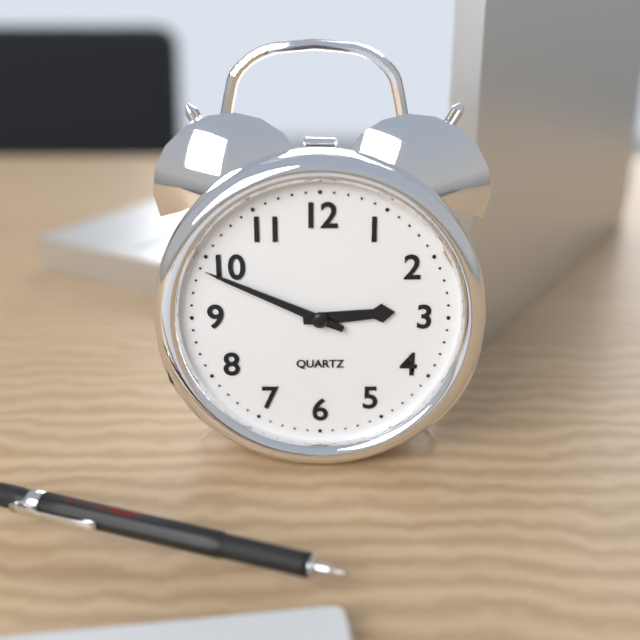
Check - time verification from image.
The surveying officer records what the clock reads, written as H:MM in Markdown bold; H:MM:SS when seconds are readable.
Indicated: **2:49**
